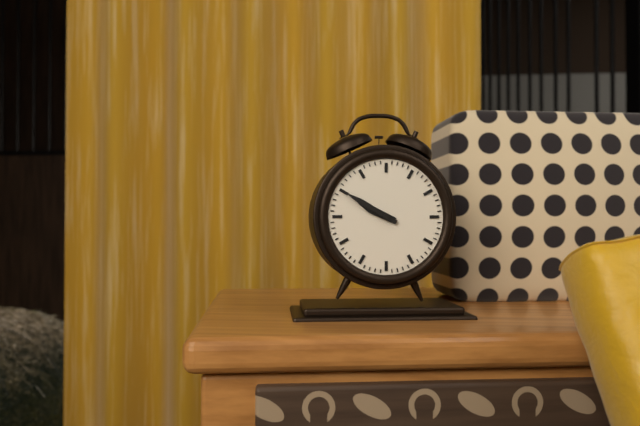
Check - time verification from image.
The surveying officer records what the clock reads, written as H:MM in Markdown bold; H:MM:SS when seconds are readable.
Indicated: **9:50**
